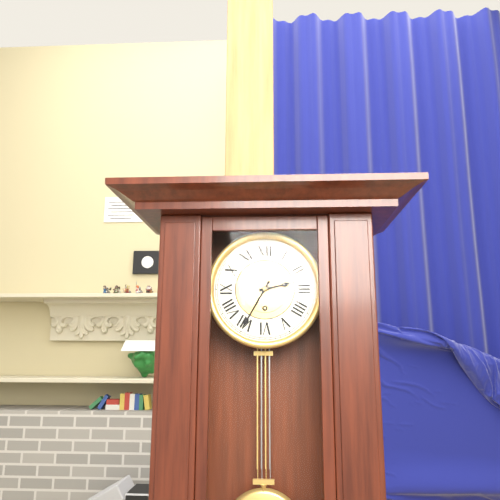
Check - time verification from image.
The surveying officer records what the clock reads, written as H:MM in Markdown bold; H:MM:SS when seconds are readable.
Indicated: **2:35**
